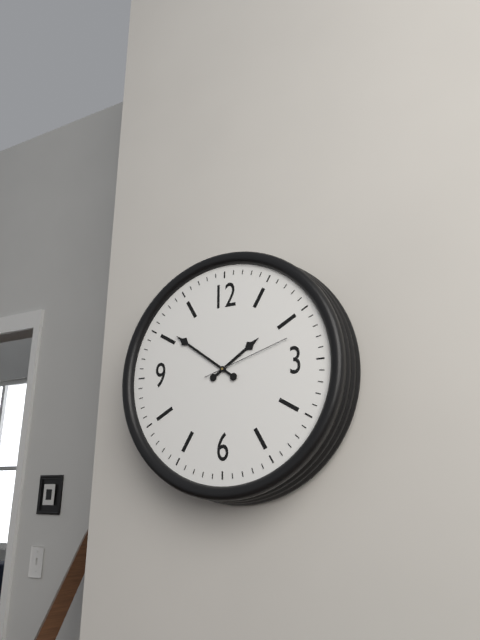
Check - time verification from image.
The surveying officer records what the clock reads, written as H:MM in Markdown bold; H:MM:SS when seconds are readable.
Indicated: **1:51:12**
